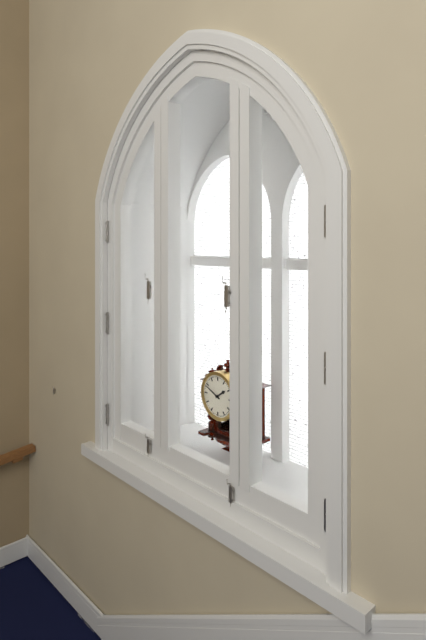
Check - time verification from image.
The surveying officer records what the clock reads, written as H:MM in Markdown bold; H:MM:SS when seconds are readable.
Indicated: **1:49**
